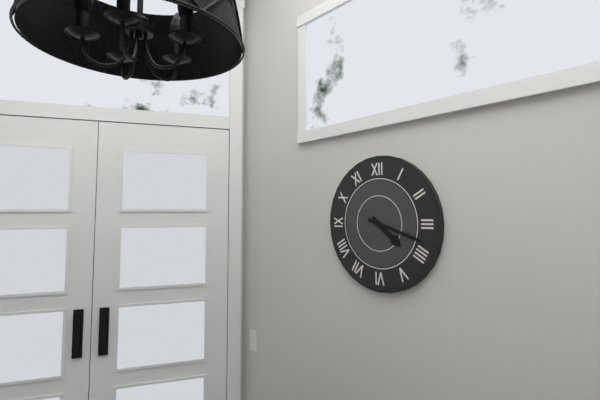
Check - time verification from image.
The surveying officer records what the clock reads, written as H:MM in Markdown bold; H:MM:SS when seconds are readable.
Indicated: **4:18**
